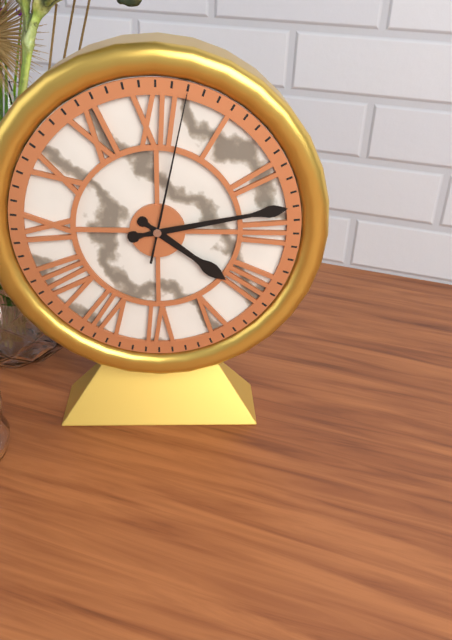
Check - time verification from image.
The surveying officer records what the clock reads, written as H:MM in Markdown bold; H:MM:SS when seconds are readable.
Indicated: **4:13:02**
